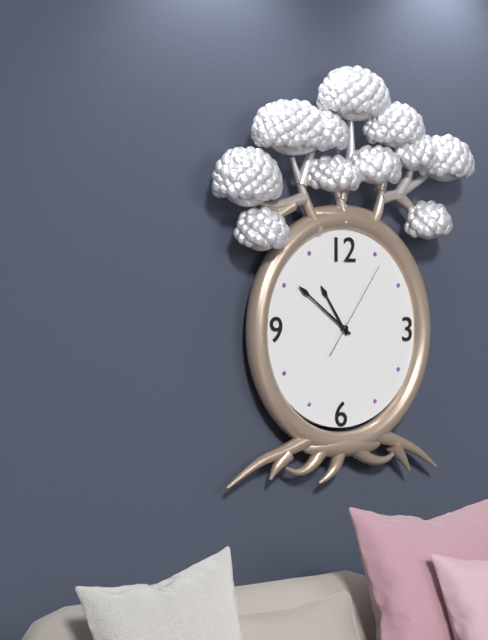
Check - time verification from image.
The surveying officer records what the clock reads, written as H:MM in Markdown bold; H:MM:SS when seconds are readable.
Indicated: **10:51:06**
